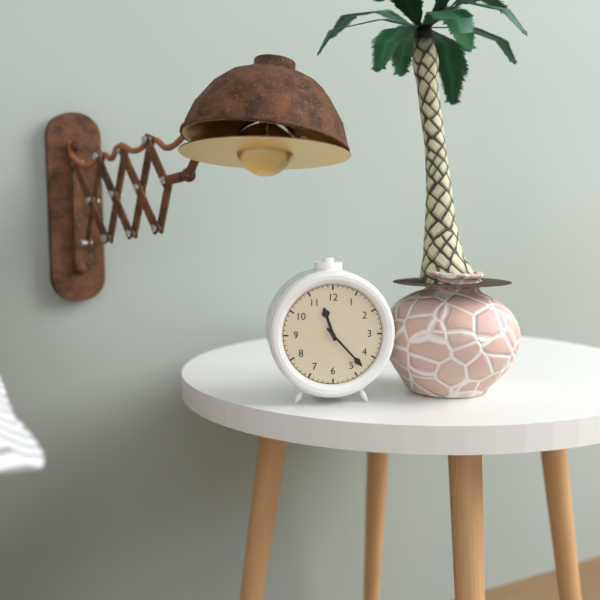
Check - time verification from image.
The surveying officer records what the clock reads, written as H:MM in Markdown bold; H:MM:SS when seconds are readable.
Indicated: **11:23**
